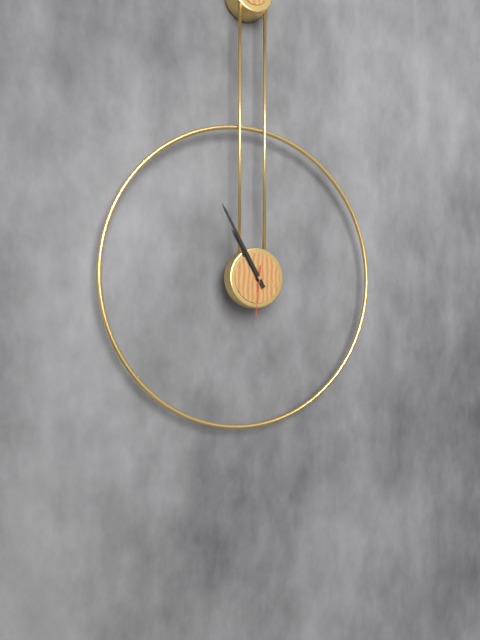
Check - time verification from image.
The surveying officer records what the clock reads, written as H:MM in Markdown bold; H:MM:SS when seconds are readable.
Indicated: **10:55:31**
